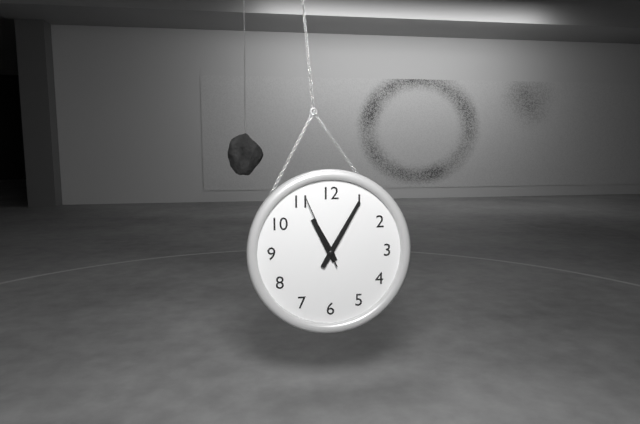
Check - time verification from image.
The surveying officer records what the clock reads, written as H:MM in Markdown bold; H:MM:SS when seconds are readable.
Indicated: **11:05:56**
